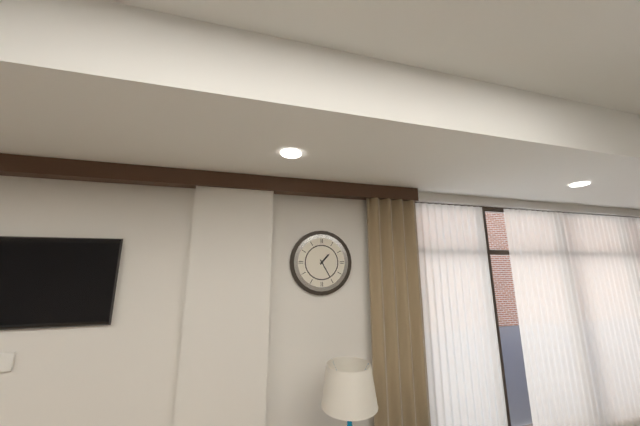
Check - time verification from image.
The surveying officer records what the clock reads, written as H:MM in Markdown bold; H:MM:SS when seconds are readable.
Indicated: **1:25**
